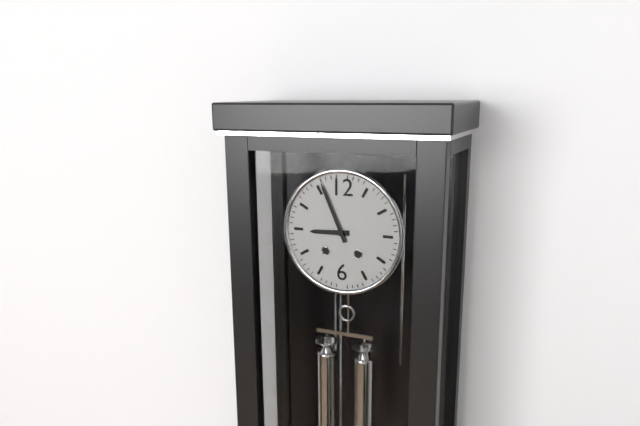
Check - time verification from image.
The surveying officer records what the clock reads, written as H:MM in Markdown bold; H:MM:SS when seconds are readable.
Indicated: **8:56**
